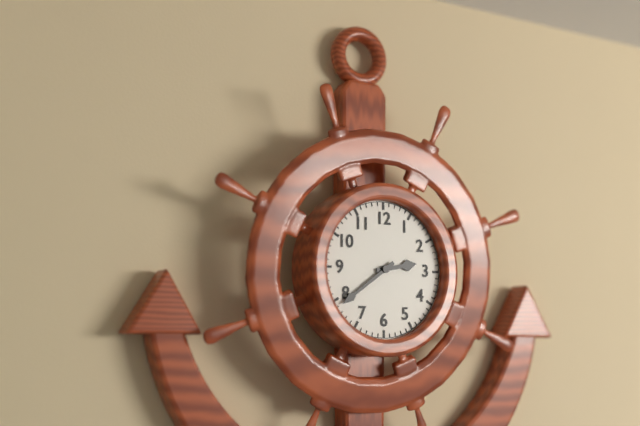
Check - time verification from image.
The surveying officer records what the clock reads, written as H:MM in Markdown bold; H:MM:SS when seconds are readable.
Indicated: **2:39**
